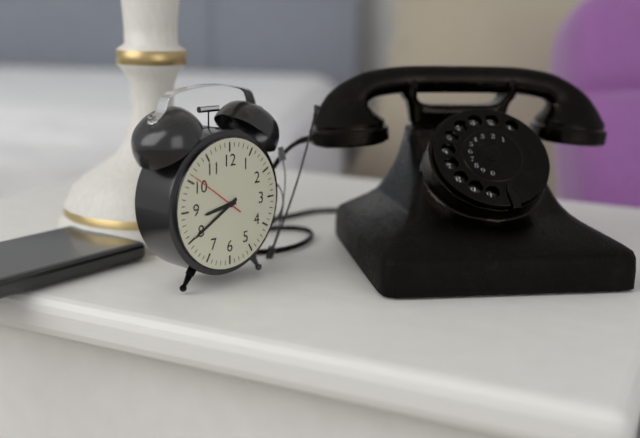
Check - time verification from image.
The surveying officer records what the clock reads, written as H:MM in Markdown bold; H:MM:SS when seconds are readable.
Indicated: **8:40:51**
